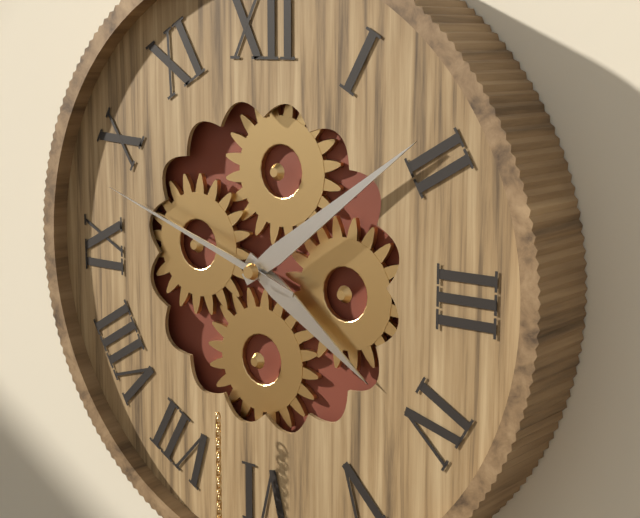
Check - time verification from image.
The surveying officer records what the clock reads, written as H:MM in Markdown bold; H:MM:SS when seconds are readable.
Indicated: **4:09:48**
